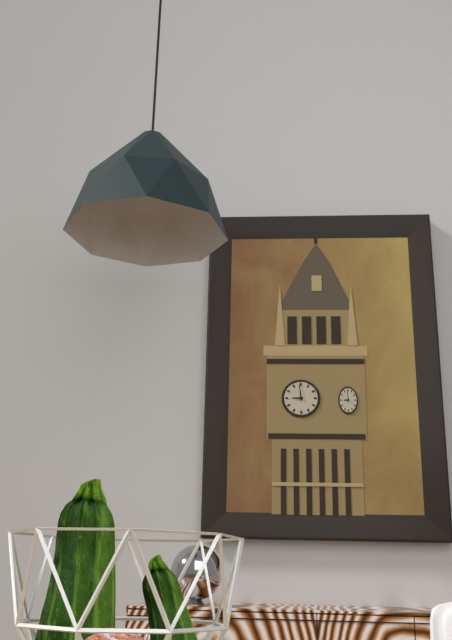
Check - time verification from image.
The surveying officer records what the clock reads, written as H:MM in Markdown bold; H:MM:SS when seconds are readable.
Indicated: **8:59**
